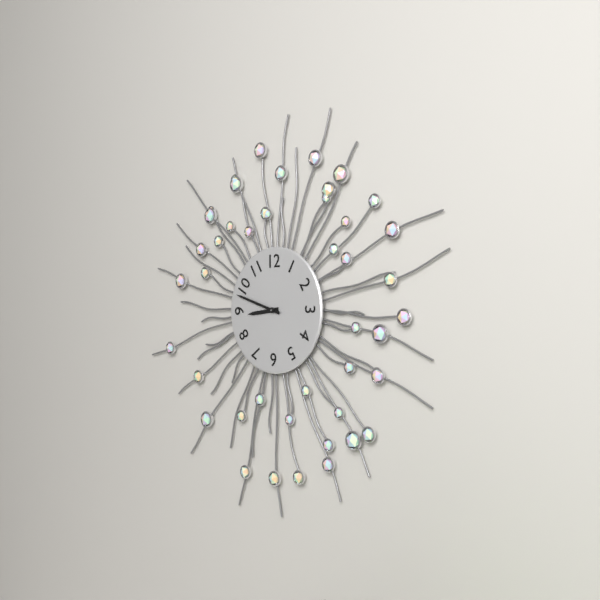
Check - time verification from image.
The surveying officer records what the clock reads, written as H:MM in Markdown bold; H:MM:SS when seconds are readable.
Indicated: **8:48**
